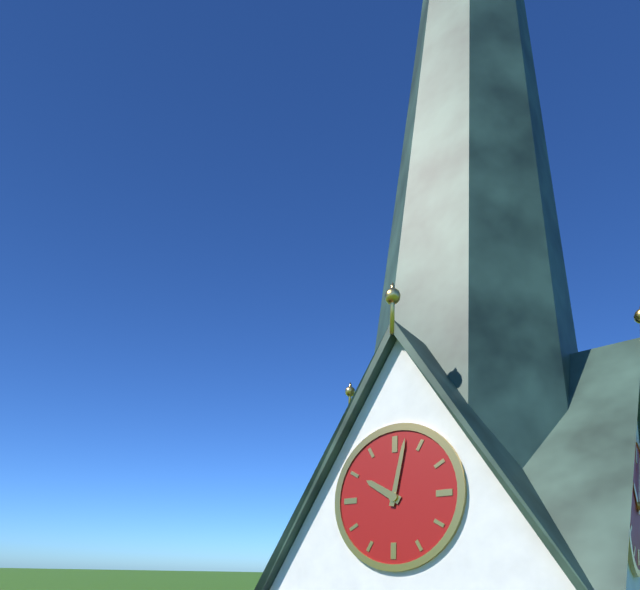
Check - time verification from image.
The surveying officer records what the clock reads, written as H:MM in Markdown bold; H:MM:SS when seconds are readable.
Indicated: **10:02**
